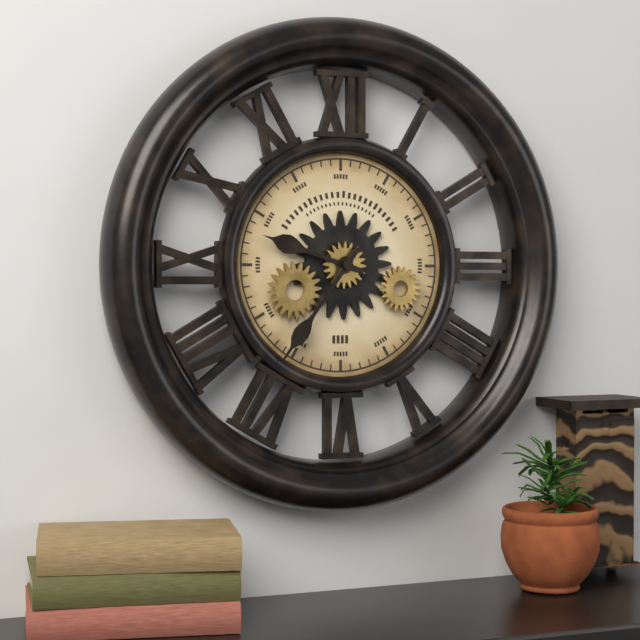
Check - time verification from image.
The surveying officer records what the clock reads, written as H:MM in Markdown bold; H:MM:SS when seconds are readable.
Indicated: **9:36**
